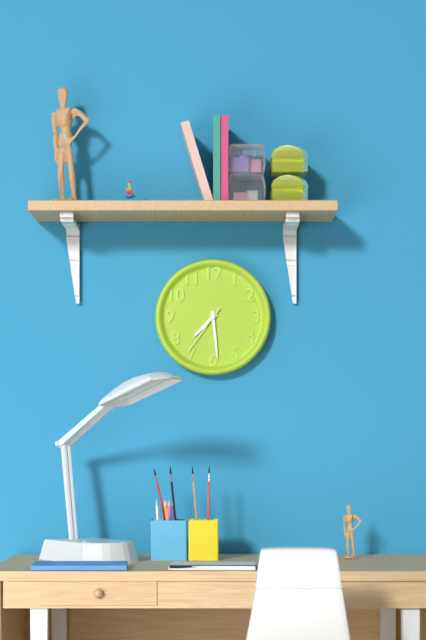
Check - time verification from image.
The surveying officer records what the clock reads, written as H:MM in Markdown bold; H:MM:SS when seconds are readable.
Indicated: **7:29:36**
